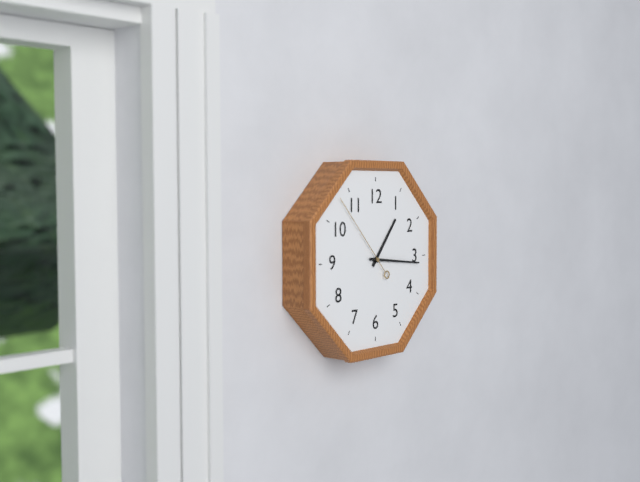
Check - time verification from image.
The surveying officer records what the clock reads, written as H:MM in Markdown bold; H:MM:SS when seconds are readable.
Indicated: **1:16:53**
